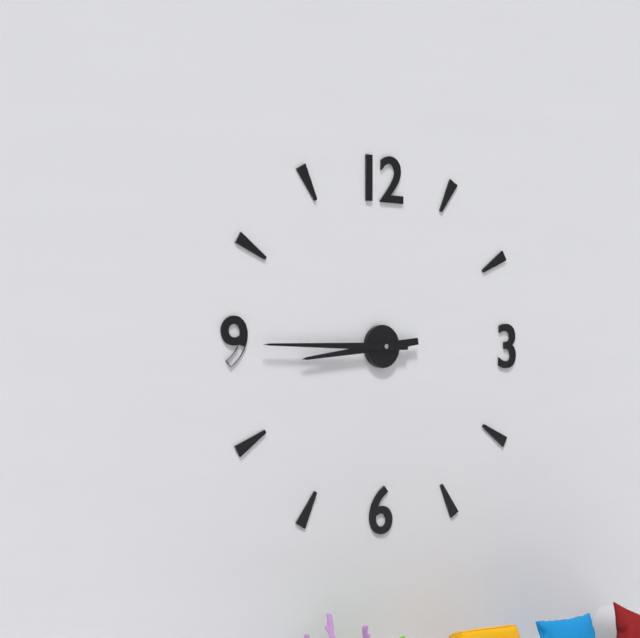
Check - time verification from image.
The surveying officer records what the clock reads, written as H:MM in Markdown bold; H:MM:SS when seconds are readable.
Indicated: **8:45**
